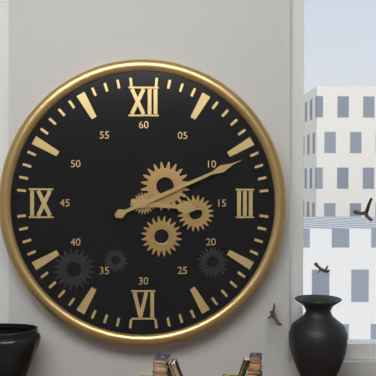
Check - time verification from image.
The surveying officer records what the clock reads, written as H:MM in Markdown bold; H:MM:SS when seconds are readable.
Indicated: **3:11**
